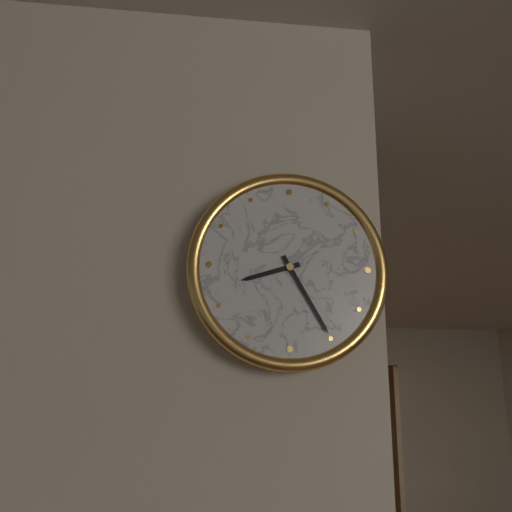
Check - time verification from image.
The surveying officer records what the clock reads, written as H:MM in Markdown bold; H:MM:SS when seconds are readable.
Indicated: **8:25**
